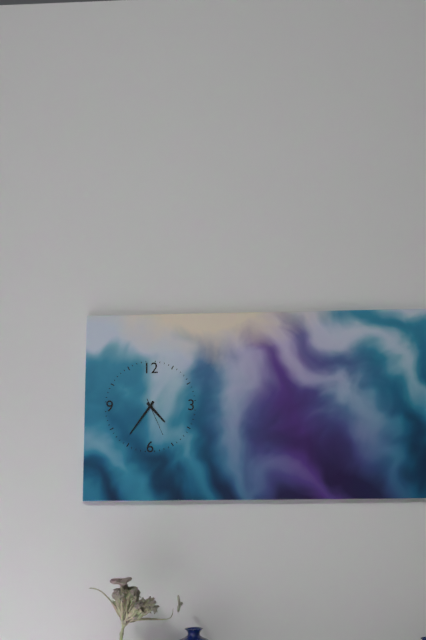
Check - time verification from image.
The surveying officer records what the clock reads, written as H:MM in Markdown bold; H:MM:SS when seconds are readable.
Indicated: **4:36**
